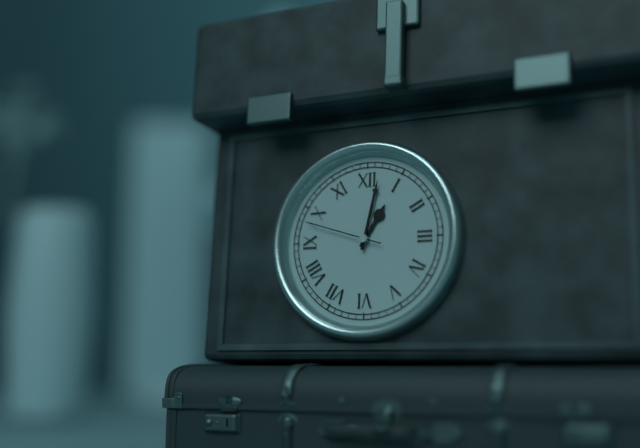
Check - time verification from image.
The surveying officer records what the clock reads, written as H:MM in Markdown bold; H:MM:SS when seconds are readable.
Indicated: **1:02:48**
